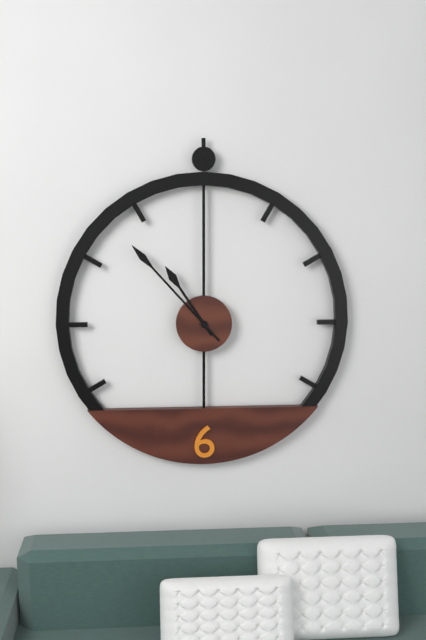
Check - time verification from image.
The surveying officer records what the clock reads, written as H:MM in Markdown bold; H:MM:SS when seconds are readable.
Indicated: **10:53**
